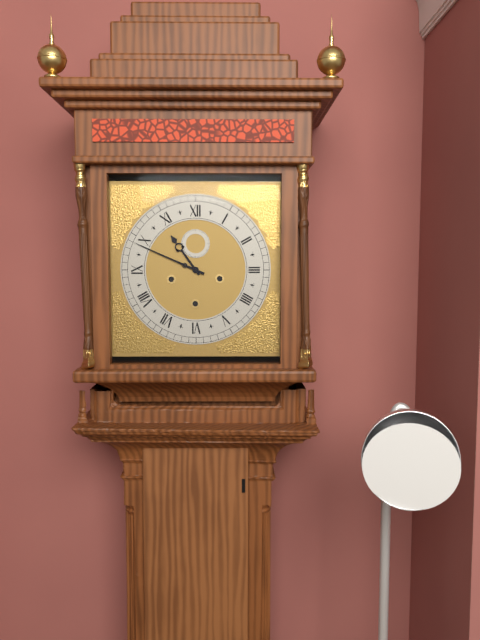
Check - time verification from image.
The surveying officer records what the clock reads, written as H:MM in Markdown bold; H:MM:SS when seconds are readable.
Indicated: **10:49**
